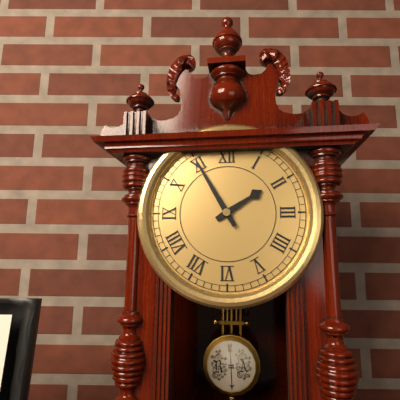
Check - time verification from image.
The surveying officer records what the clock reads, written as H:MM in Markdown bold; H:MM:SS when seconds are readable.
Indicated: **1:55**
